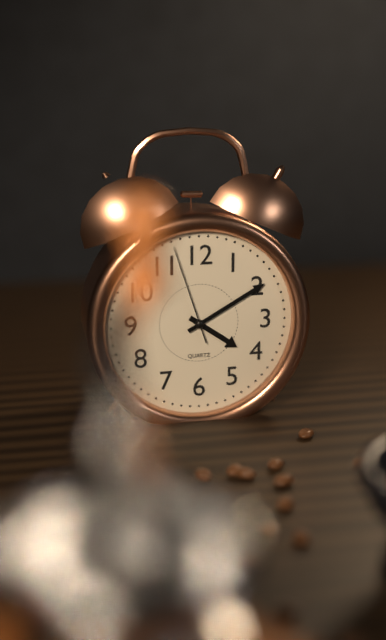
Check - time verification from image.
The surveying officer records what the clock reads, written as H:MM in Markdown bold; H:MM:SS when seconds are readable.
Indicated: **4:10:57**
